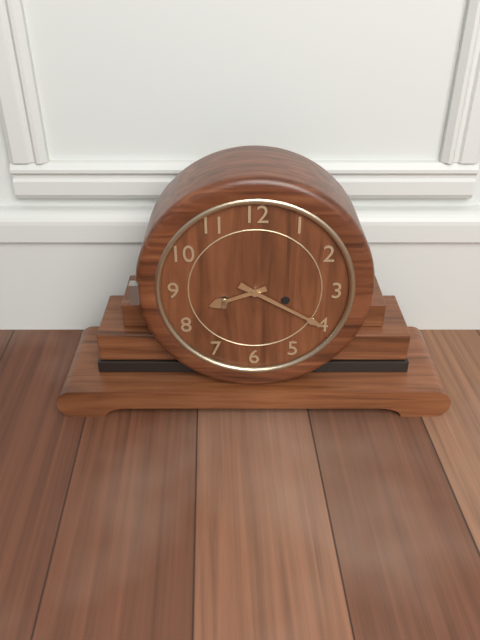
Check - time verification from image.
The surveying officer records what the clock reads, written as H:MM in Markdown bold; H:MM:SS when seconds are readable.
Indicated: **8:20**
